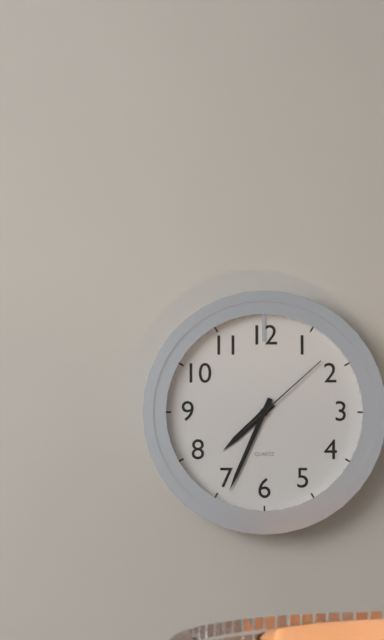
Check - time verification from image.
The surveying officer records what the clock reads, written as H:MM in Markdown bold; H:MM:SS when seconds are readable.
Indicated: **7:34:08**
